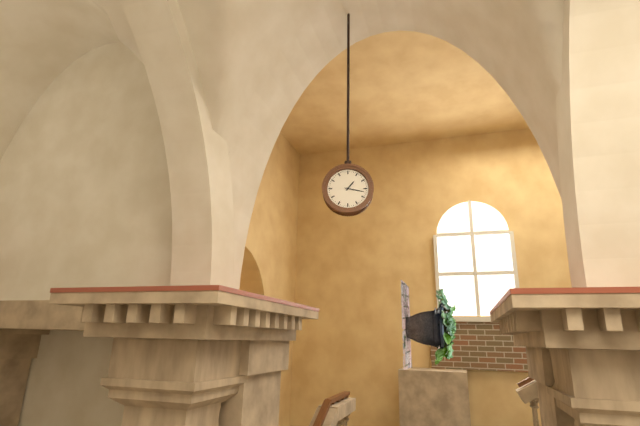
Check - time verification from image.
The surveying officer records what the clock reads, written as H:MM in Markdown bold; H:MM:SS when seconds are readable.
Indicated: **1:17**
